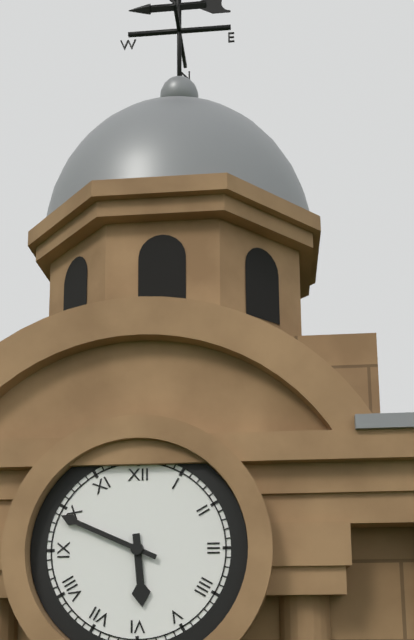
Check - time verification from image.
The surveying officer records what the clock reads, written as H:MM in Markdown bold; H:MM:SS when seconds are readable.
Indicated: **5:49**
